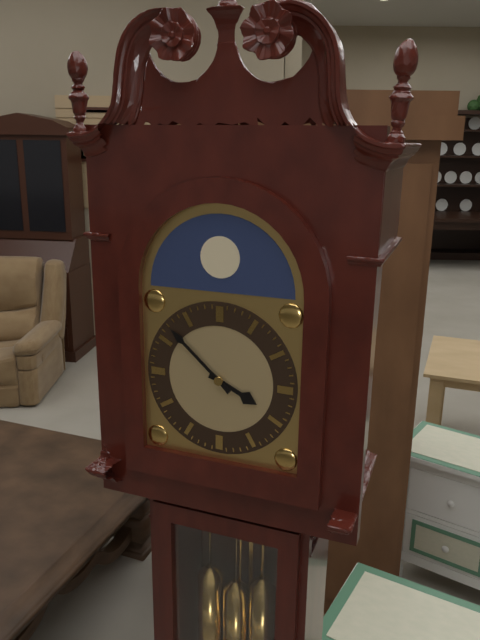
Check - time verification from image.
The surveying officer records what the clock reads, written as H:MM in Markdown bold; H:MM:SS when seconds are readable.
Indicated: **3:52**
